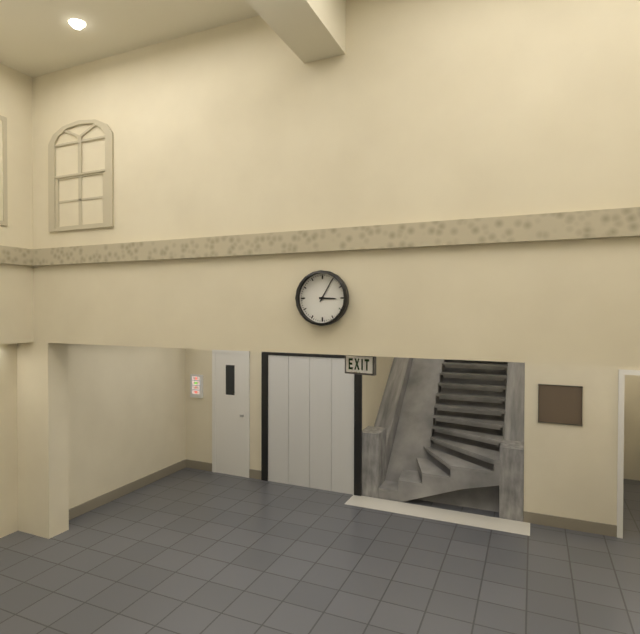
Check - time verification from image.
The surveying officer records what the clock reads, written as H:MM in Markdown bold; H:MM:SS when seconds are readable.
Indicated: **3:05**
